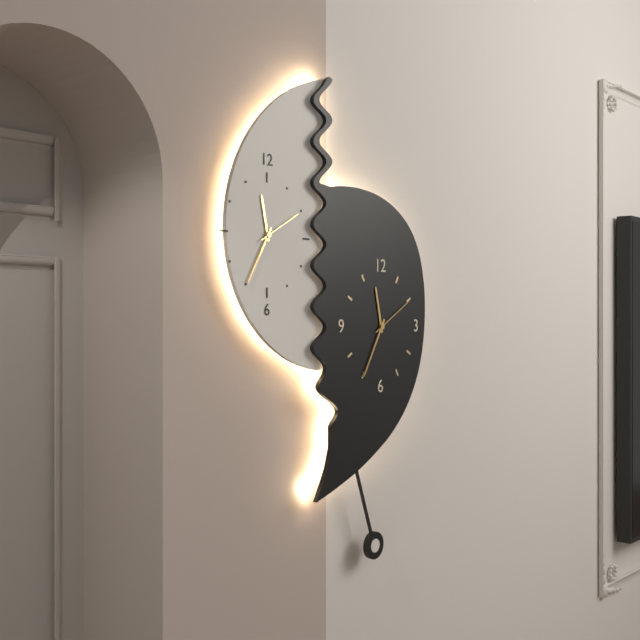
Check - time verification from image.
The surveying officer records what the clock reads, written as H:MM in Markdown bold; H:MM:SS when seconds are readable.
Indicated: **11:35**
